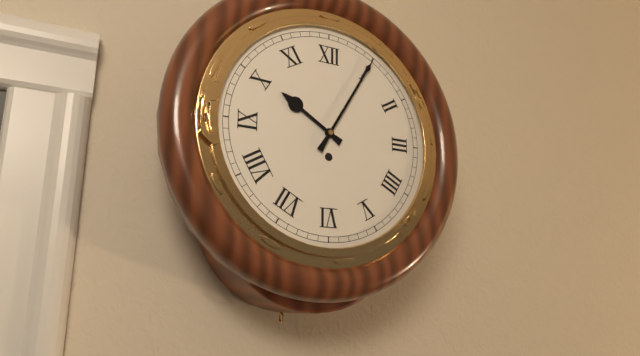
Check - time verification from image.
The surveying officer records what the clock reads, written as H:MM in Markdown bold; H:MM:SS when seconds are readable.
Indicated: **10:05**
